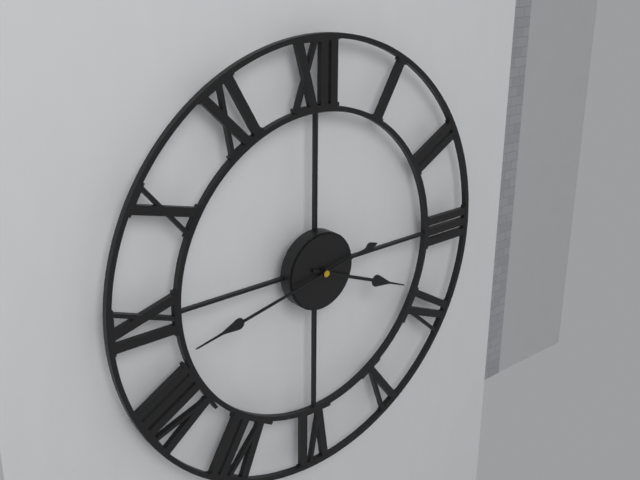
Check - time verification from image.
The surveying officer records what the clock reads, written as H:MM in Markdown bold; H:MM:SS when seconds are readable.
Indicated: **3:43**
